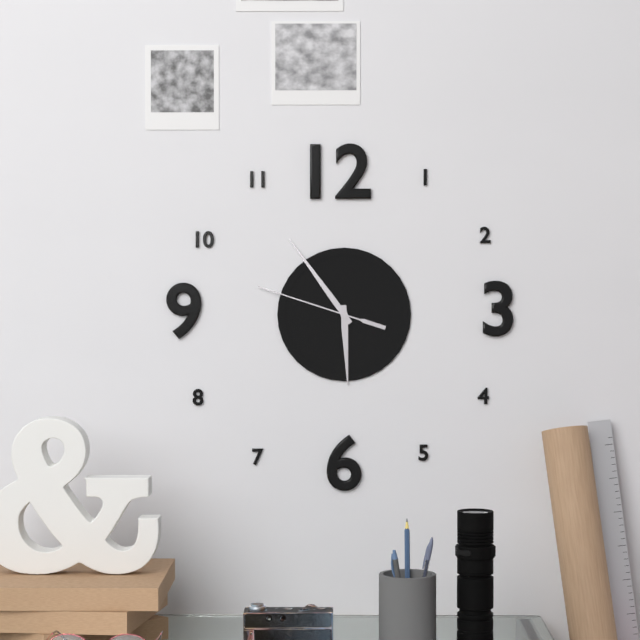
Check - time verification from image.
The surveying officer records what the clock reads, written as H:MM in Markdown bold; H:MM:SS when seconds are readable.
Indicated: **5:54:48**
